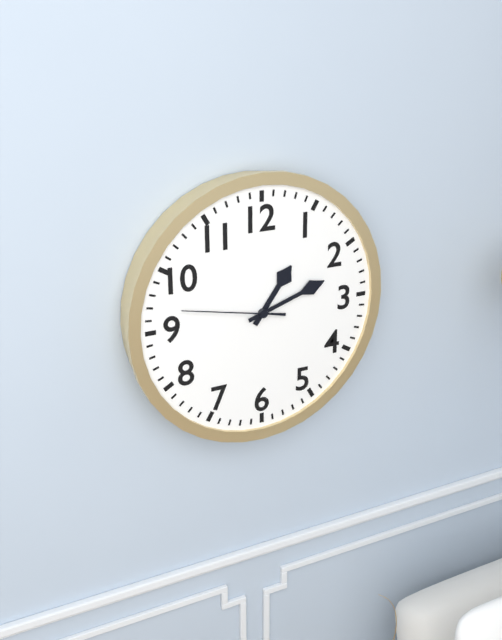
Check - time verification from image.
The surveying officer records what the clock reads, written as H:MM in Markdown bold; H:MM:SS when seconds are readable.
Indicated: **1:12:47**
